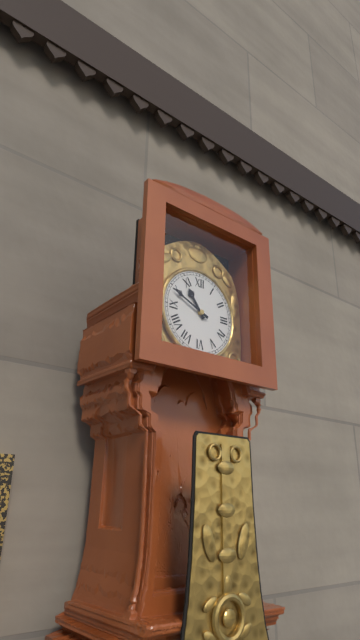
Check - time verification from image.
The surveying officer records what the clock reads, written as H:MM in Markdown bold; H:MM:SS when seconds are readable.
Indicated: **10:49**
